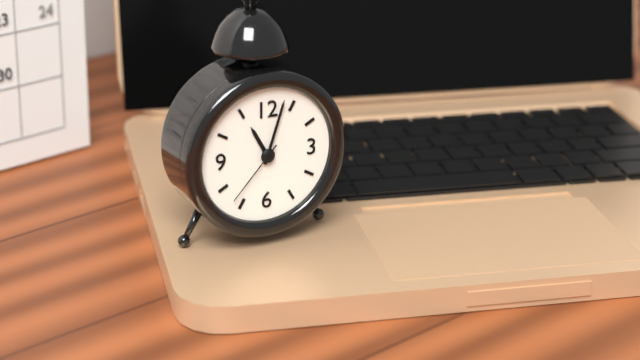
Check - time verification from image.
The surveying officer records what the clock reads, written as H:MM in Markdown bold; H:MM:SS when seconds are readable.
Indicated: **11:03:37**
